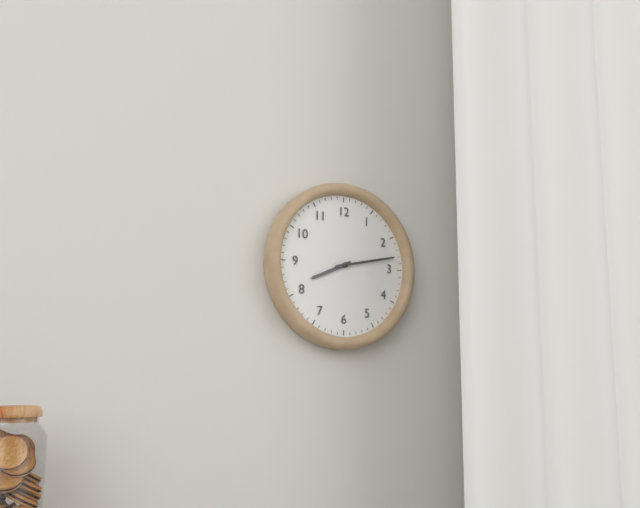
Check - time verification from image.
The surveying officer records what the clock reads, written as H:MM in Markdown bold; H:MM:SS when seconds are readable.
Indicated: **8:13**
